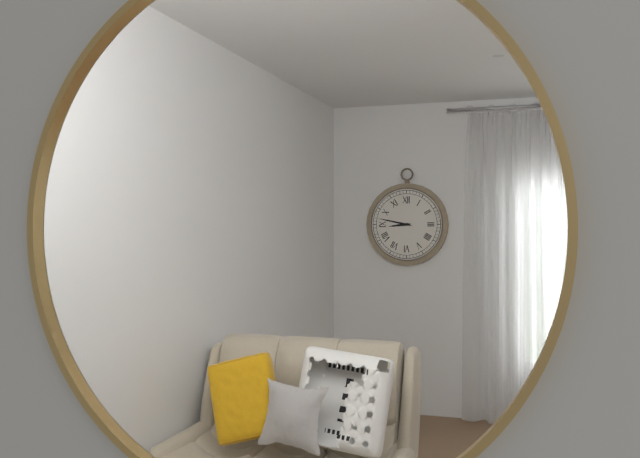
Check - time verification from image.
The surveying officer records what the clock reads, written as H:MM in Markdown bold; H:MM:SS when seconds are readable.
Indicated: **8:47**
